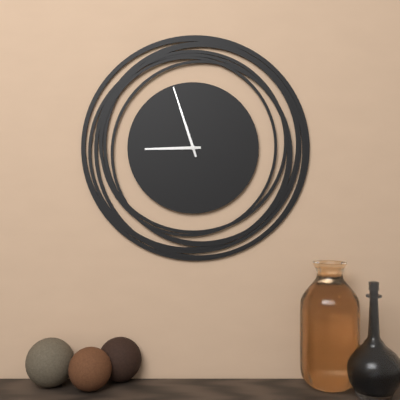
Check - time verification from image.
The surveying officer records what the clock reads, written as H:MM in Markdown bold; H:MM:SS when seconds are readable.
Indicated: **8:57**
